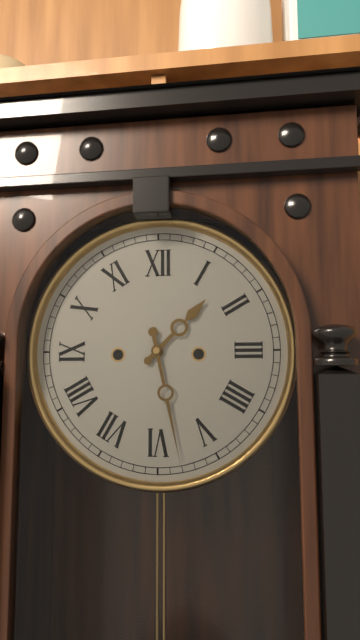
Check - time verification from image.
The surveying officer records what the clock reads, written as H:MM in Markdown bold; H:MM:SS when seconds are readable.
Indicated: **1:28**
